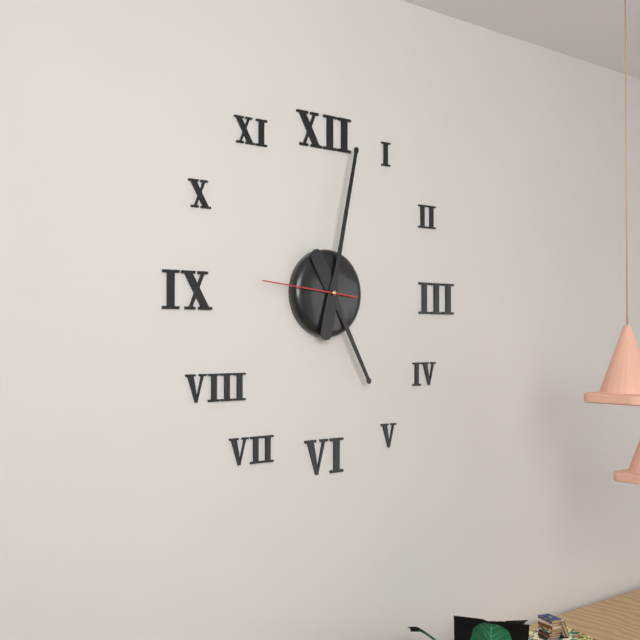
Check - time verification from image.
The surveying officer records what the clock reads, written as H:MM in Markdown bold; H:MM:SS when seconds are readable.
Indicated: **5:02:46**
